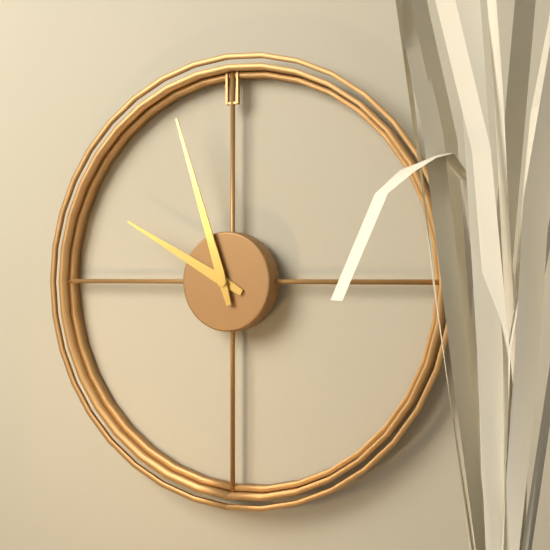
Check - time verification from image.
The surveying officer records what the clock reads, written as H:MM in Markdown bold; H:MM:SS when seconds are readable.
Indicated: **9:57**
